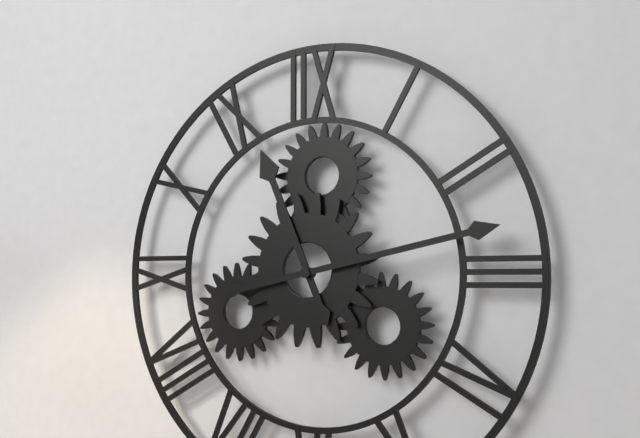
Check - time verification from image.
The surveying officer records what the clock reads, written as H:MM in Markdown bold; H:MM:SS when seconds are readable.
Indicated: **11:13**
